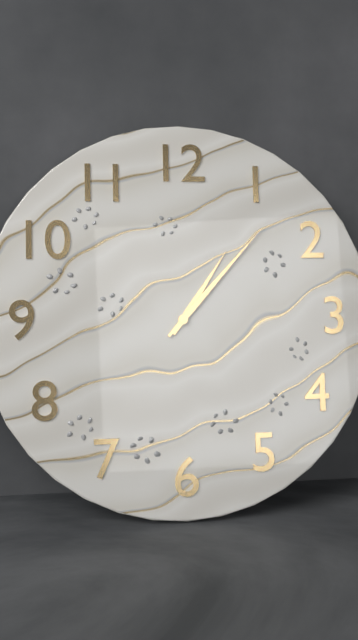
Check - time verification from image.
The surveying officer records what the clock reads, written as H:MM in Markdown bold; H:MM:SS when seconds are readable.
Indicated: **1:07**
